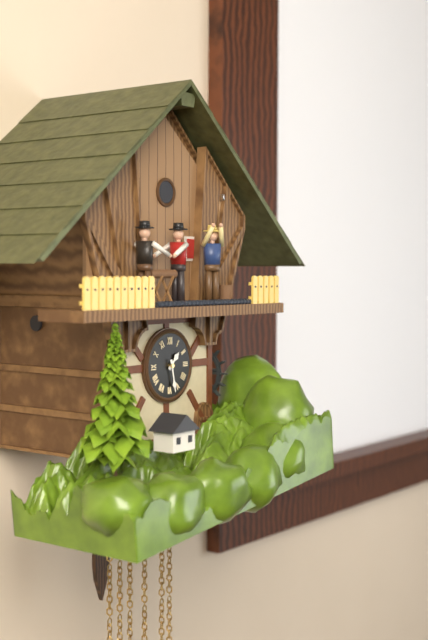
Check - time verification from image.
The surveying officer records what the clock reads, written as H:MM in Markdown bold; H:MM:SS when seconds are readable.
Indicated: **1:28**
